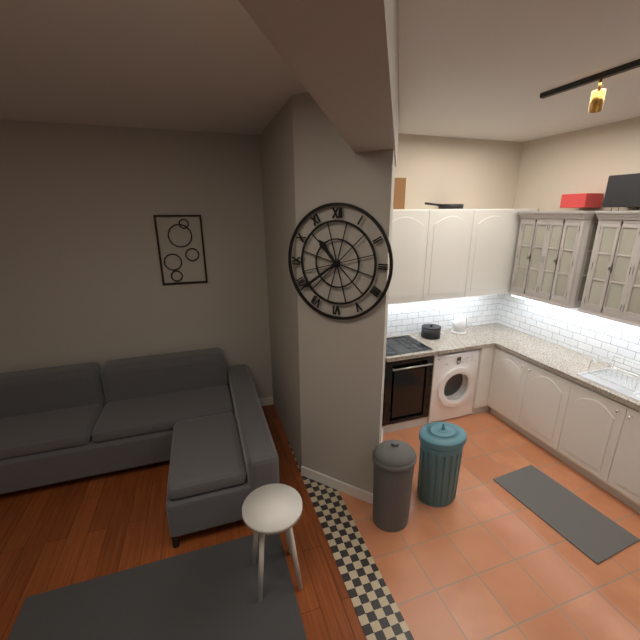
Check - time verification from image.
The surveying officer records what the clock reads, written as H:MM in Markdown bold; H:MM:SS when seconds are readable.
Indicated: **10:39**
